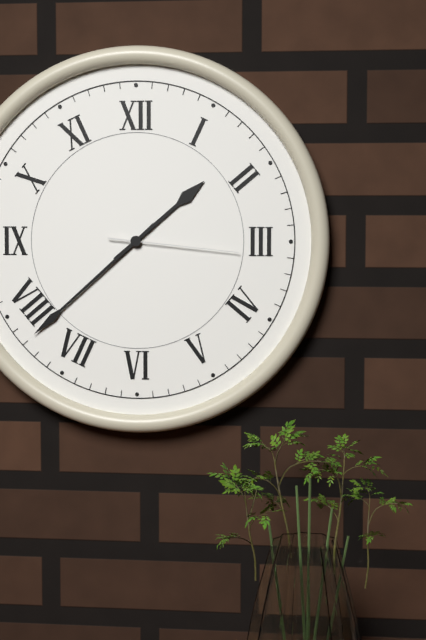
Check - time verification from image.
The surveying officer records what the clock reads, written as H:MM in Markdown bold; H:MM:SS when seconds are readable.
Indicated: **1:38:16**
